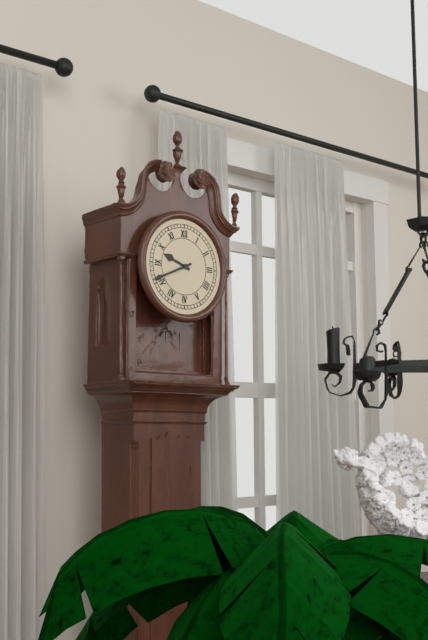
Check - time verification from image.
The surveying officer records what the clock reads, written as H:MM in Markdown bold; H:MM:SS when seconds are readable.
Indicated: **9:41**
